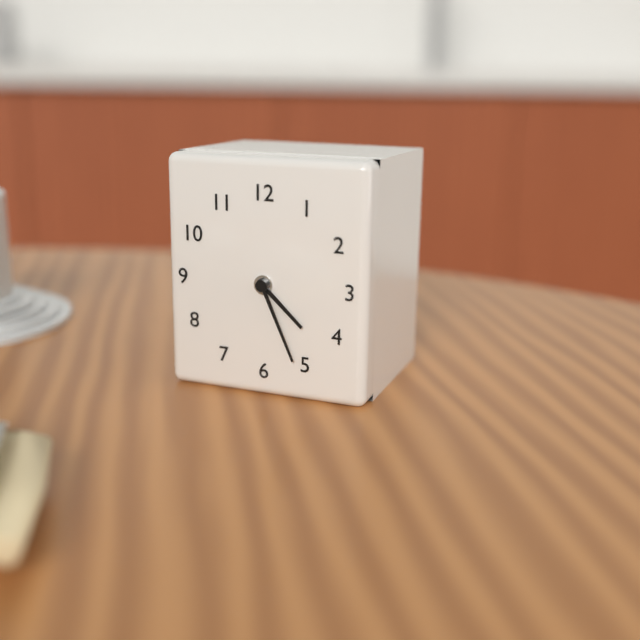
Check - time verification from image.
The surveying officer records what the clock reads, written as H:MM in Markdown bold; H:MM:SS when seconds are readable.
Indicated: **4:26**
